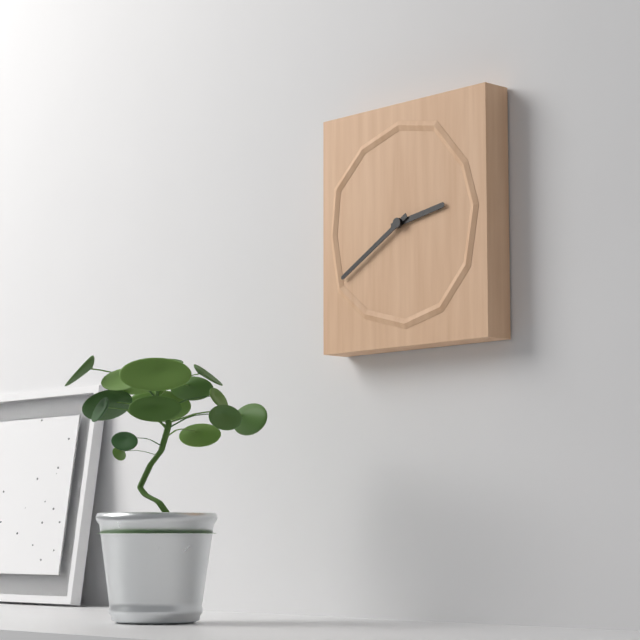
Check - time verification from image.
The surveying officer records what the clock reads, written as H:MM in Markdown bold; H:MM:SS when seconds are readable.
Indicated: **2:40**
